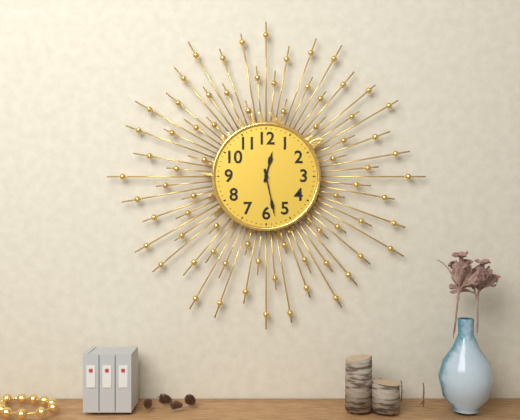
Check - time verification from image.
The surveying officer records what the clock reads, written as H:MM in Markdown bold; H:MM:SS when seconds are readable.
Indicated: **12:28**
